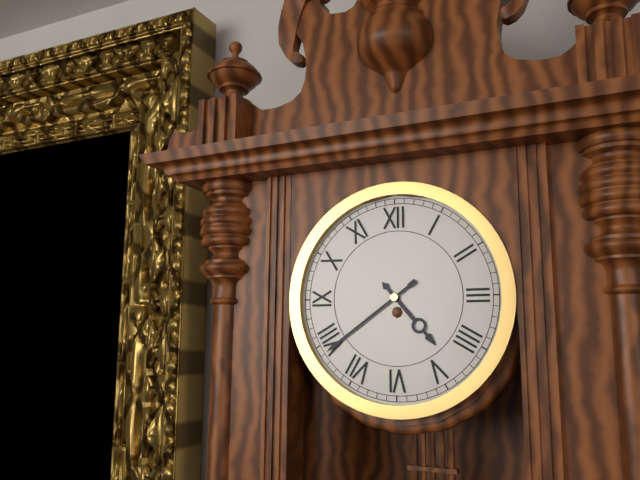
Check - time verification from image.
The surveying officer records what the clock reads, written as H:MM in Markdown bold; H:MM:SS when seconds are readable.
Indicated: **4:39**
